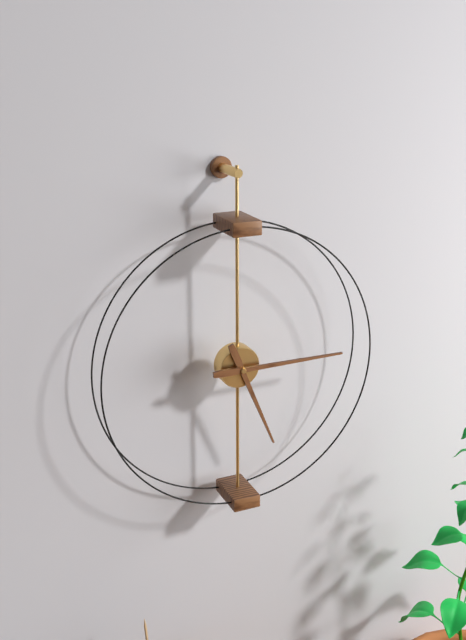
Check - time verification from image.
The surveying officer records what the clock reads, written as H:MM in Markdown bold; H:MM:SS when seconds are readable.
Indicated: **5:15**
